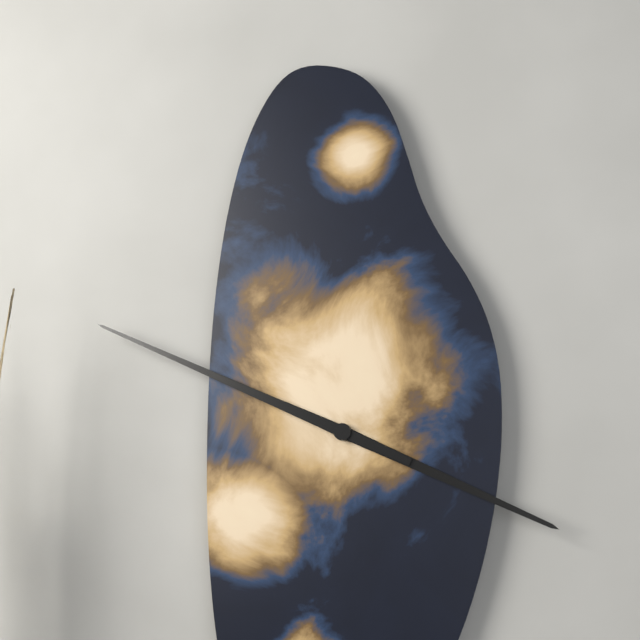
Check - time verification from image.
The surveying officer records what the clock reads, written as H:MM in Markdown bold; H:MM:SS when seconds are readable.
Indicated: **3:49**
